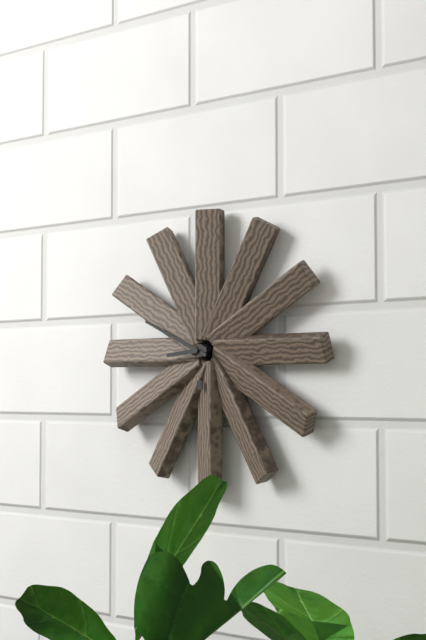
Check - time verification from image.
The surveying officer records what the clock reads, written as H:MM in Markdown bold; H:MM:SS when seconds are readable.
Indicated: **8:49**
